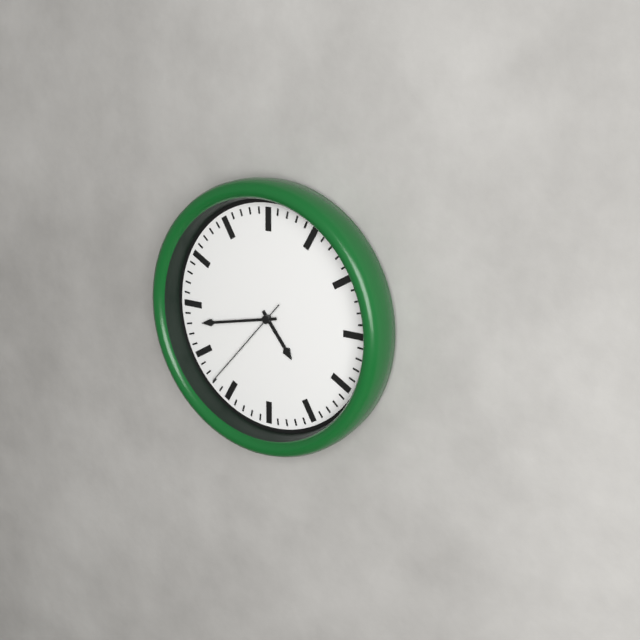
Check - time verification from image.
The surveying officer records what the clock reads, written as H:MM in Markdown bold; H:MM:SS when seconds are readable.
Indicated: **4:43:37**
